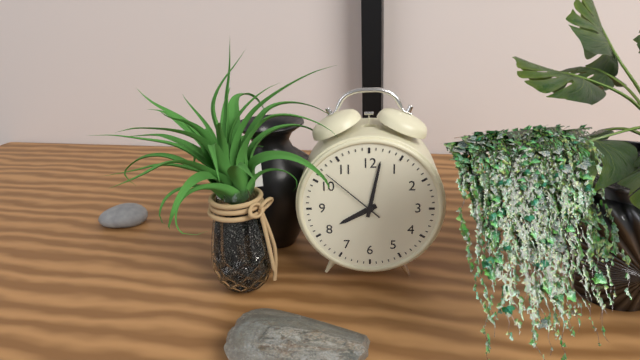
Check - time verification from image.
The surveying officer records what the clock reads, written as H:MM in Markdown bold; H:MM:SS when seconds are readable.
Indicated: **8:02:52**
